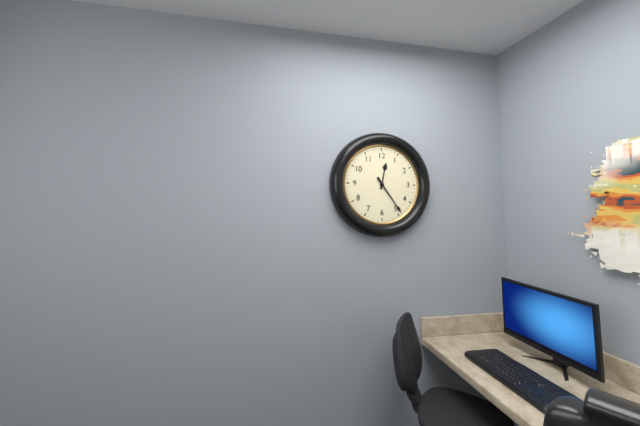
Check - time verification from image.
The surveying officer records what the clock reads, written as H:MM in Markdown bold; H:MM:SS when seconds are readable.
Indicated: **12:24**
